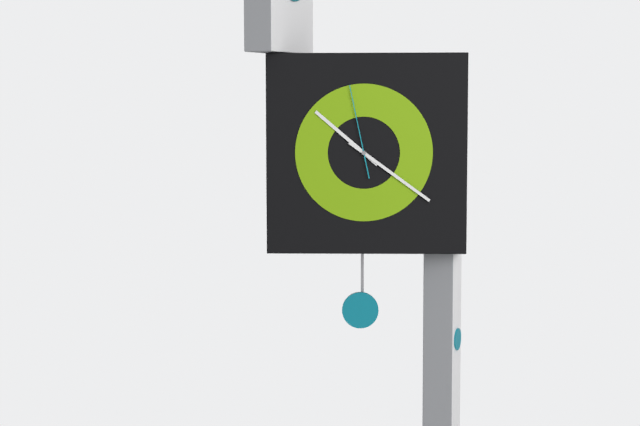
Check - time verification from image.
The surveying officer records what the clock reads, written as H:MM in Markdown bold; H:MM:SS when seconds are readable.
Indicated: **10:21:58**
